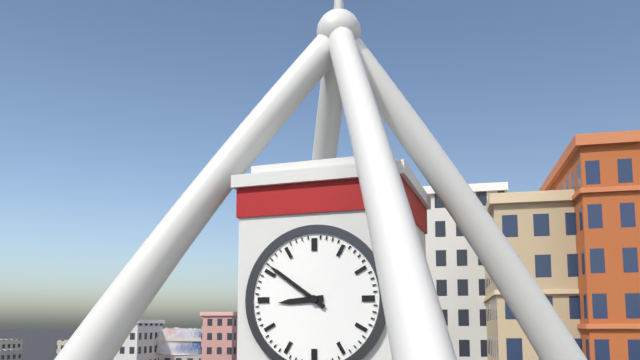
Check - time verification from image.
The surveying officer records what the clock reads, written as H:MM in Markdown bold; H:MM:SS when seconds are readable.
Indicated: **8:51**
